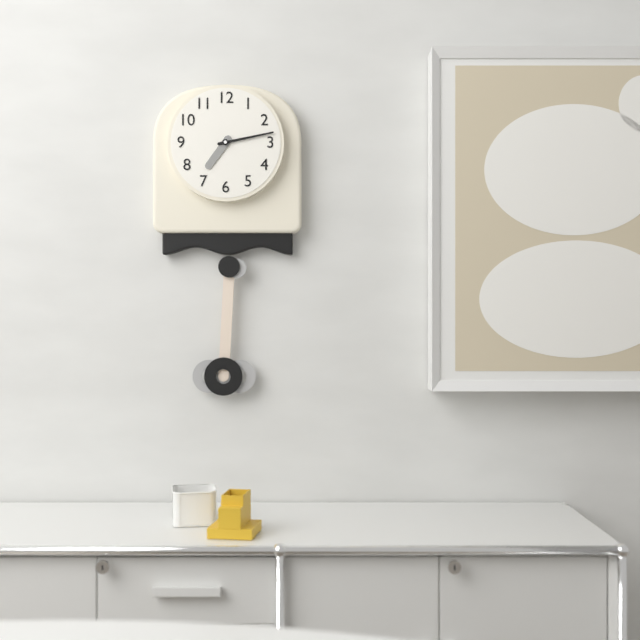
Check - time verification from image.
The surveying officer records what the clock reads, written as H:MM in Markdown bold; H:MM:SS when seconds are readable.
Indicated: **7:13**
